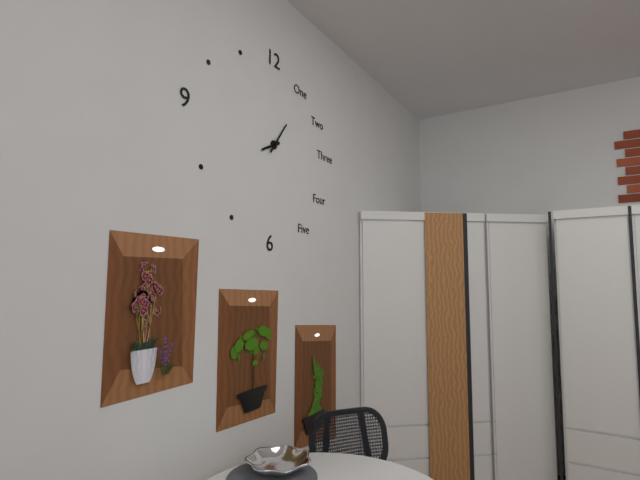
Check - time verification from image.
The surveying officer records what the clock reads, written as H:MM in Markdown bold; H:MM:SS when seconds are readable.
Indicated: **8:06**
